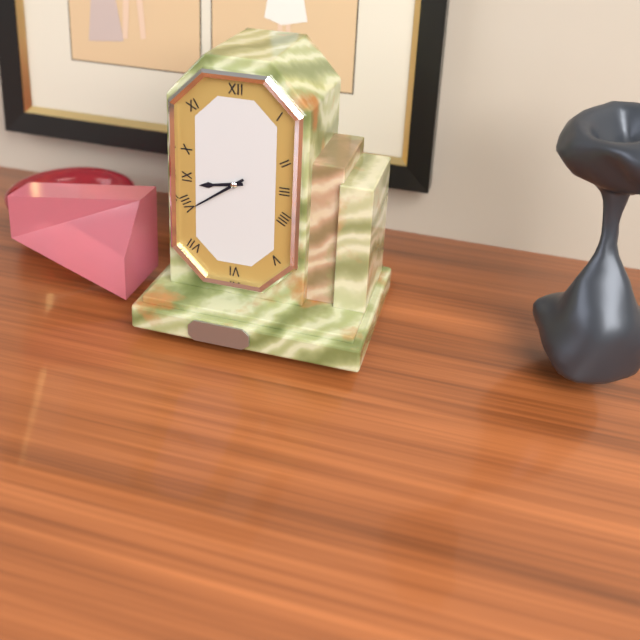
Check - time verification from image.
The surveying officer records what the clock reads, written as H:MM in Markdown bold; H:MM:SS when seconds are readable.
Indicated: **8:39**
